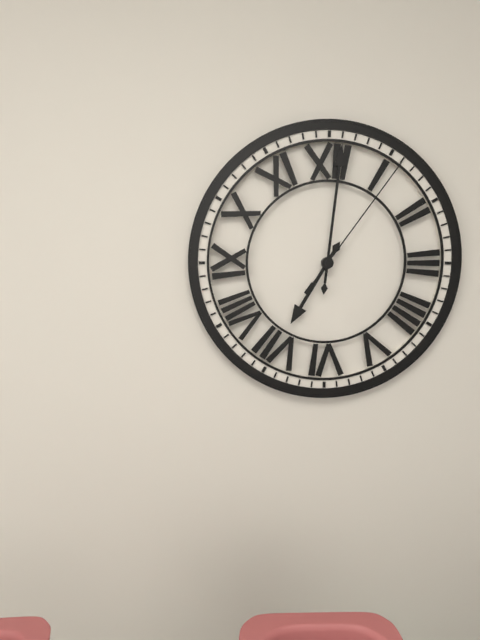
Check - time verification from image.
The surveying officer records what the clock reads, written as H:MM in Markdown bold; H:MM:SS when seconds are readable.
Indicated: **7:01:06**
